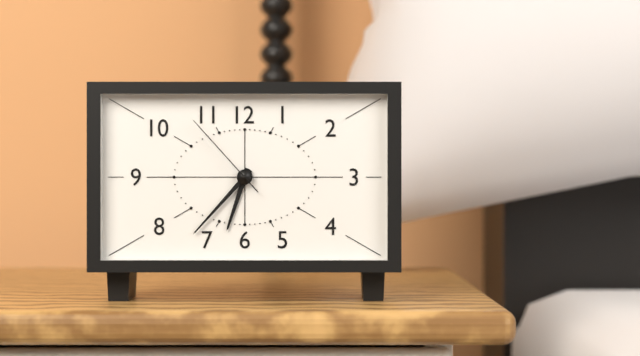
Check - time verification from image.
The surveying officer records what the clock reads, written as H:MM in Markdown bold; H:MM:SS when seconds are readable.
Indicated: **6:37:53**
